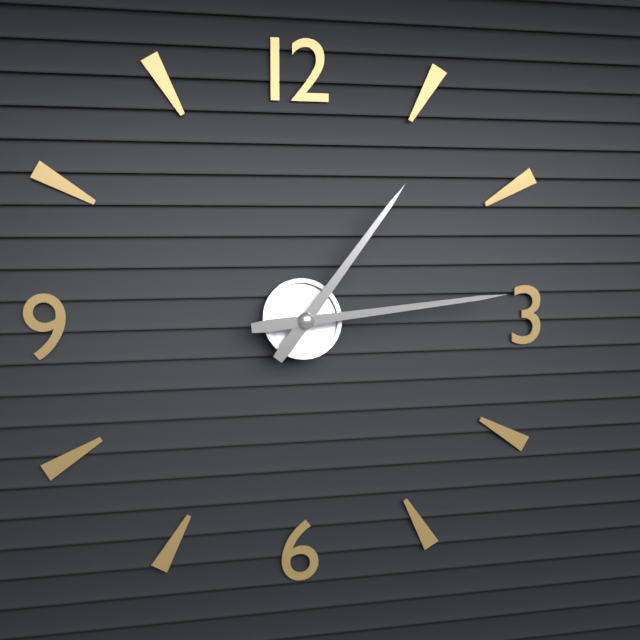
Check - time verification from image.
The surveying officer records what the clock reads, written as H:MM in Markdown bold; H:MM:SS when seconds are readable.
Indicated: **1:14**
